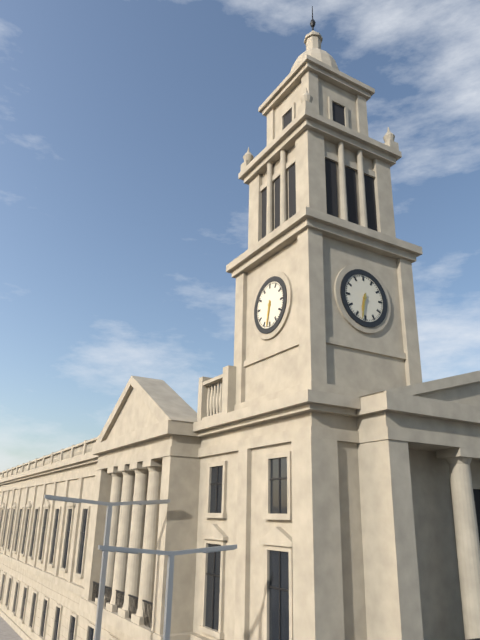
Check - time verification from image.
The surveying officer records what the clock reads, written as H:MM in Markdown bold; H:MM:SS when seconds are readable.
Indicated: **6:32**
